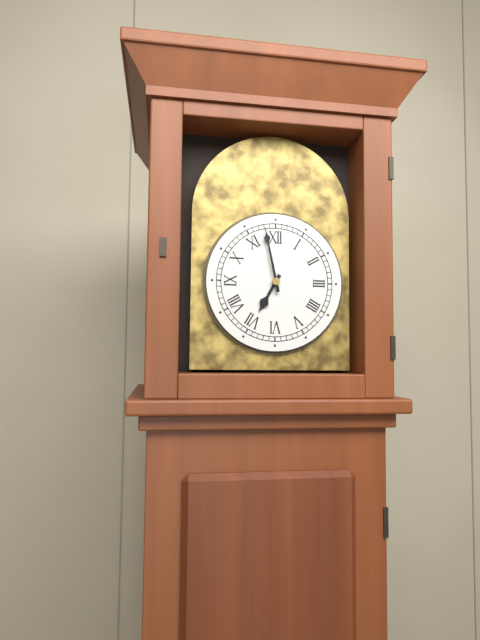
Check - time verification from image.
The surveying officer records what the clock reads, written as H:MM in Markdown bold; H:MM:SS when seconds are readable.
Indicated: **6:58**
